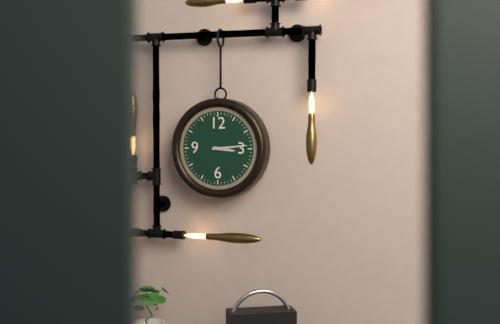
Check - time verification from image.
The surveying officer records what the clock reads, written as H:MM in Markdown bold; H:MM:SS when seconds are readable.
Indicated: **3:14**
